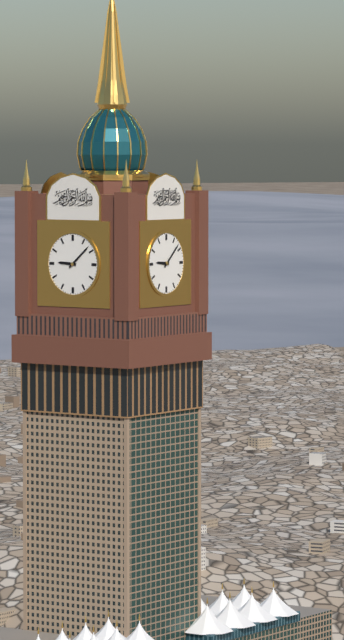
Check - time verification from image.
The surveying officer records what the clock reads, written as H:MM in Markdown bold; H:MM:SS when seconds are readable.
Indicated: **9:08**
